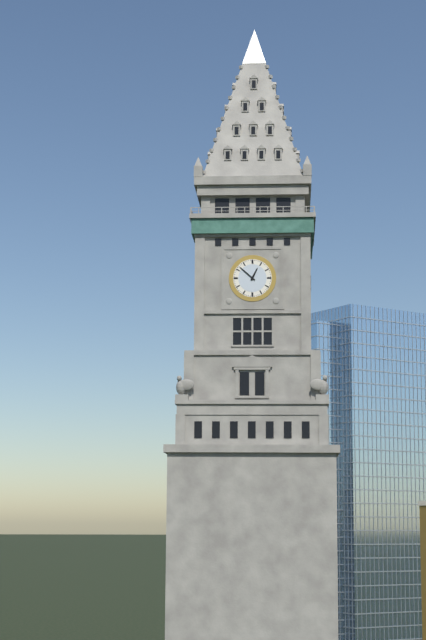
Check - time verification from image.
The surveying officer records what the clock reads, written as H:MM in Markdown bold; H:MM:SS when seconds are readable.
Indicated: **12:52**
